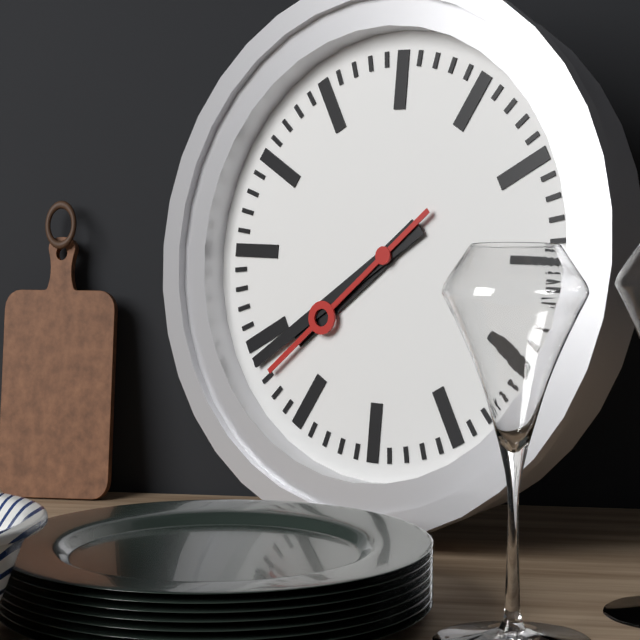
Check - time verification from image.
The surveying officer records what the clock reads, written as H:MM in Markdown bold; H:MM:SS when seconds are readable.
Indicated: **7:39:38**
